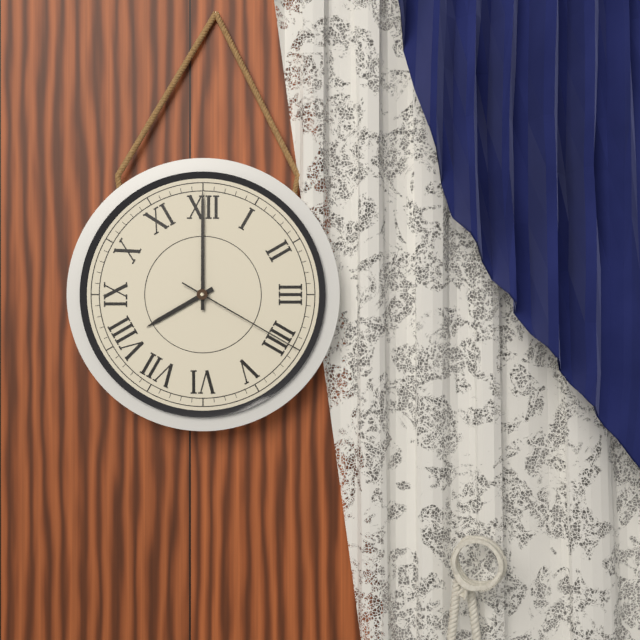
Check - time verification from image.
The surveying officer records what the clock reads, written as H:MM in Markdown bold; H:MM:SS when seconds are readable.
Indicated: **8:00:20**
